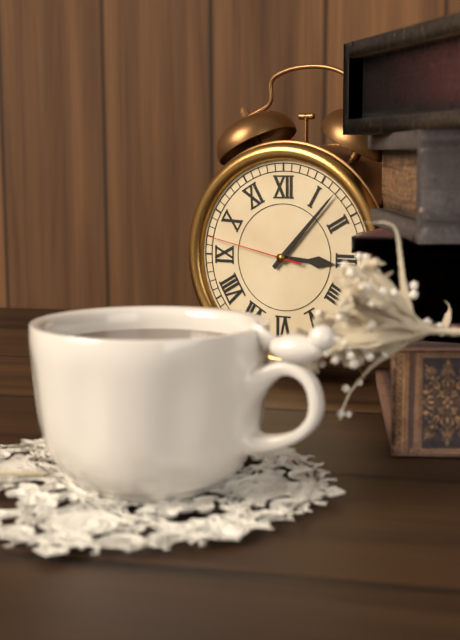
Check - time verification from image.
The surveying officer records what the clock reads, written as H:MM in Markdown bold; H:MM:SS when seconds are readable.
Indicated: **3:07:47**
